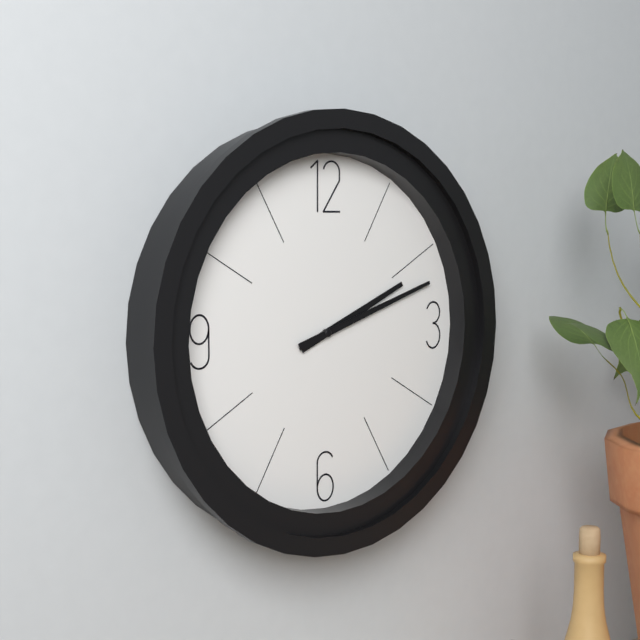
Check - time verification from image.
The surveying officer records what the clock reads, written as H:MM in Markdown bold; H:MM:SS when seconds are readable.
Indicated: **2:12**
